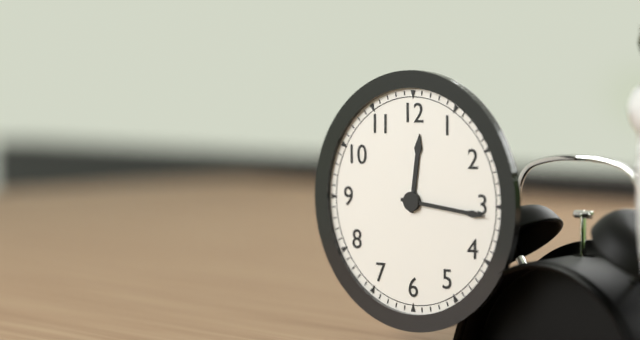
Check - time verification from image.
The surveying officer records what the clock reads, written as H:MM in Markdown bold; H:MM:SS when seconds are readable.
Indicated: **12:16**
